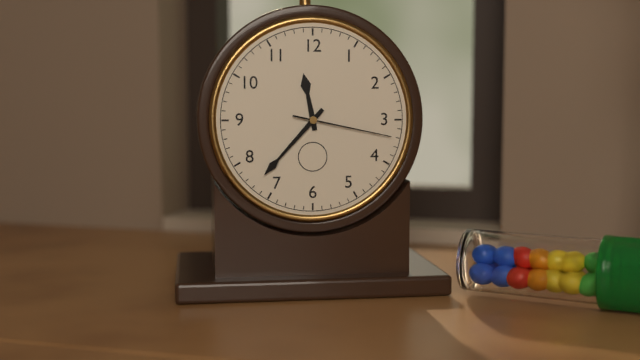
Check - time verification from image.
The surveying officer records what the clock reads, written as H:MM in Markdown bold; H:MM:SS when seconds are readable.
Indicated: **11:37:17**
